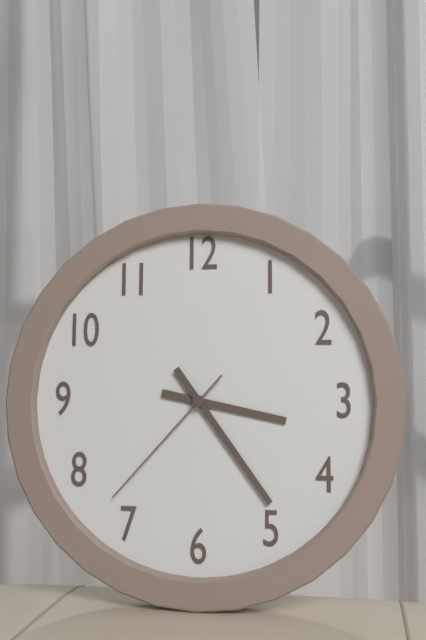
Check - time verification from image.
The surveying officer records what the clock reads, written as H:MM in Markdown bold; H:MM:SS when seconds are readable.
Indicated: **3:24:37**
